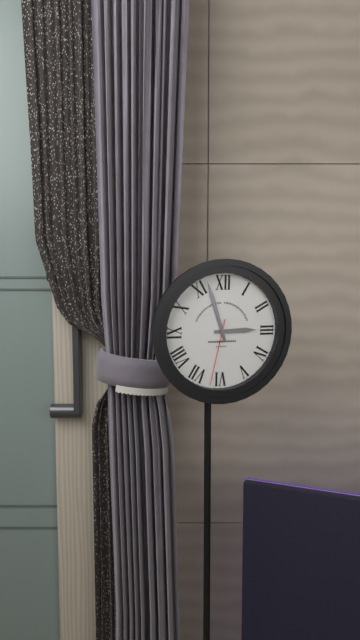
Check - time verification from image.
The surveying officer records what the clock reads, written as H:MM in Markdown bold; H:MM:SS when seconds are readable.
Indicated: **2:57:32**
